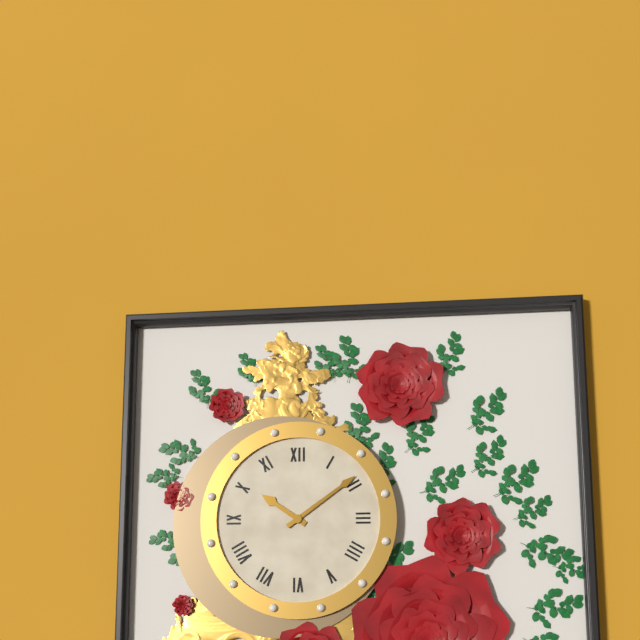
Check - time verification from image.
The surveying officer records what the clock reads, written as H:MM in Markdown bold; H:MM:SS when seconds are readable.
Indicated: **10:09**
